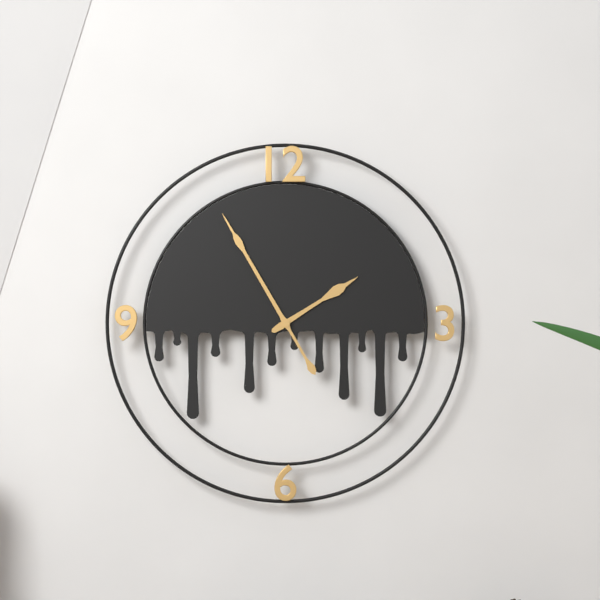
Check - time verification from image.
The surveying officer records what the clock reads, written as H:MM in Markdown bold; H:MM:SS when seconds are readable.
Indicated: **1:55**
